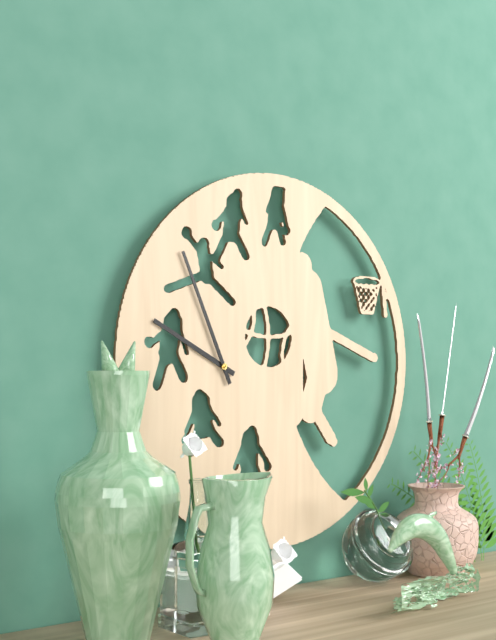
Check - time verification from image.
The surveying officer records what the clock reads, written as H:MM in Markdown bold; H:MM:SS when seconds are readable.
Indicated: **9:56**
